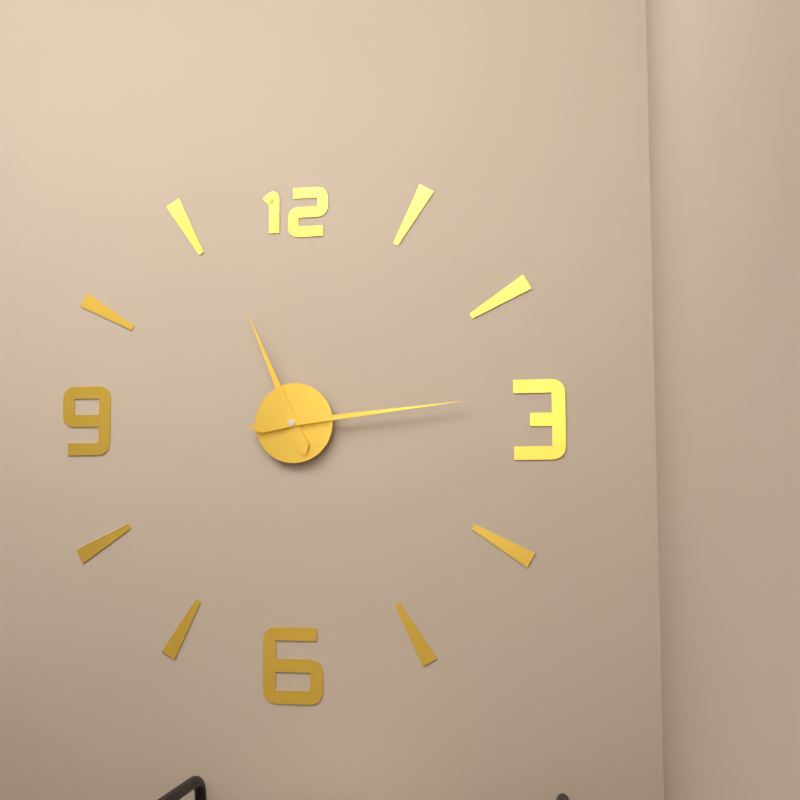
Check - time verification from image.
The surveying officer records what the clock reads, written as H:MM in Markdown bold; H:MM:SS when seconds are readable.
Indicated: **11:14**
